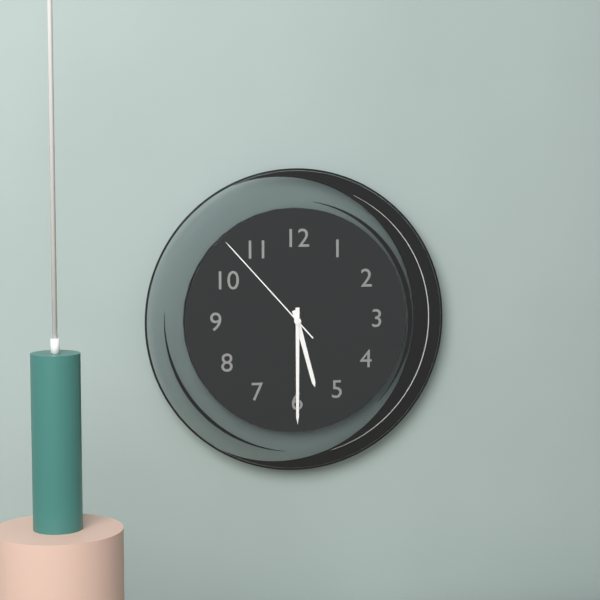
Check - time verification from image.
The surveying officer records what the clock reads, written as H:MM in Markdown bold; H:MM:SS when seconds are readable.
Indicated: **5:30:53**
